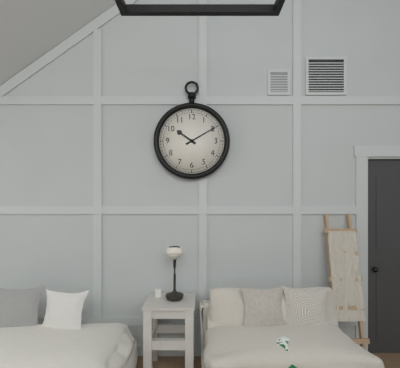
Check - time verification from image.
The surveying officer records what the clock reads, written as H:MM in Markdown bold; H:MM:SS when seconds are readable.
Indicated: **10:10**
